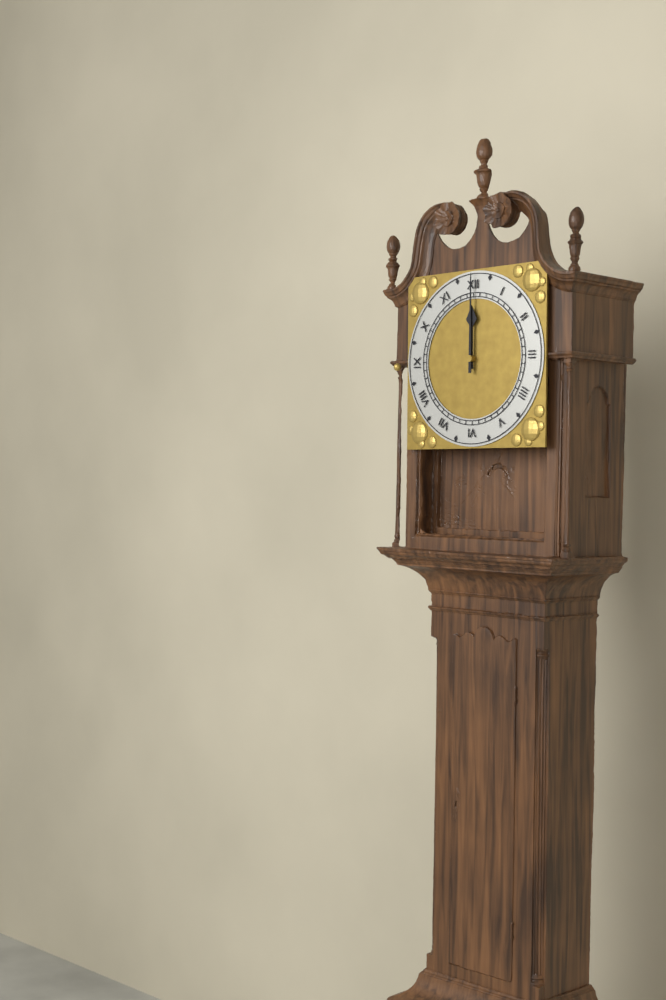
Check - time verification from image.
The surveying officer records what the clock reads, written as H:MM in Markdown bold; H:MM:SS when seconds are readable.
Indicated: **12:00**
